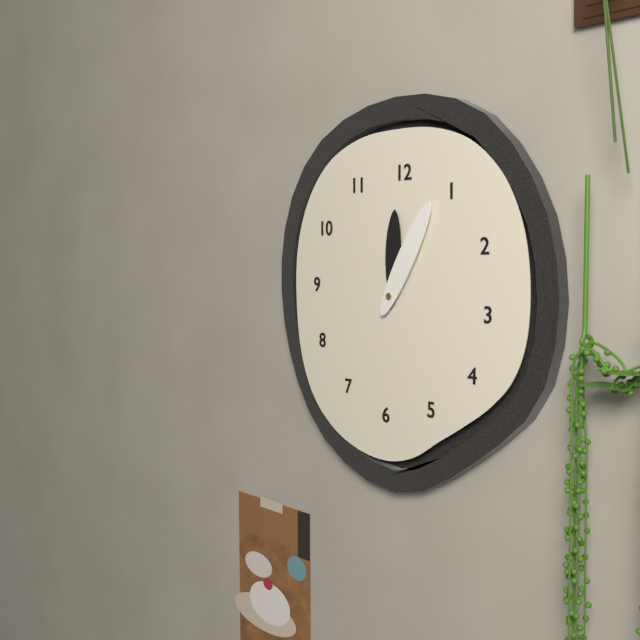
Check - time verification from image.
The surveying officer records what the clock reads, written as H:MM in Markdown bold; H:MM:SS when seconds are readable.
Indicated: **12:05**
